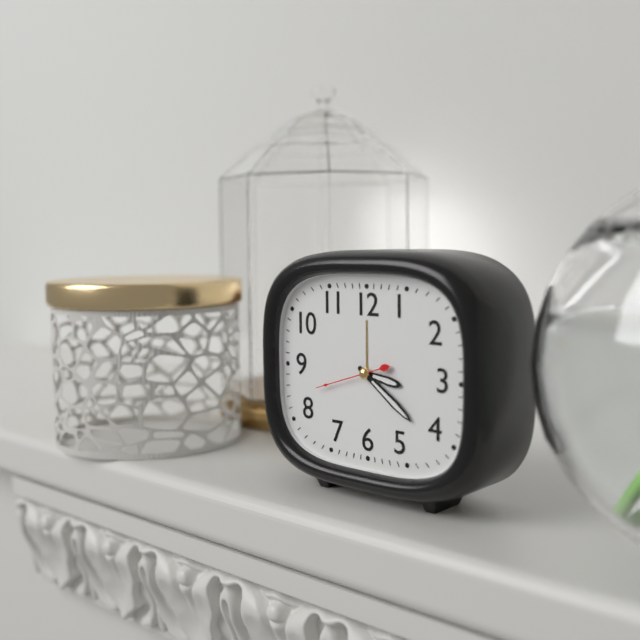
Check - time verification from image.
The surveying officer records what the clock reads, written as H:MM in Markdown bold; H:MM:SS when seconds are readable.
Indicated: **3:21:42**
